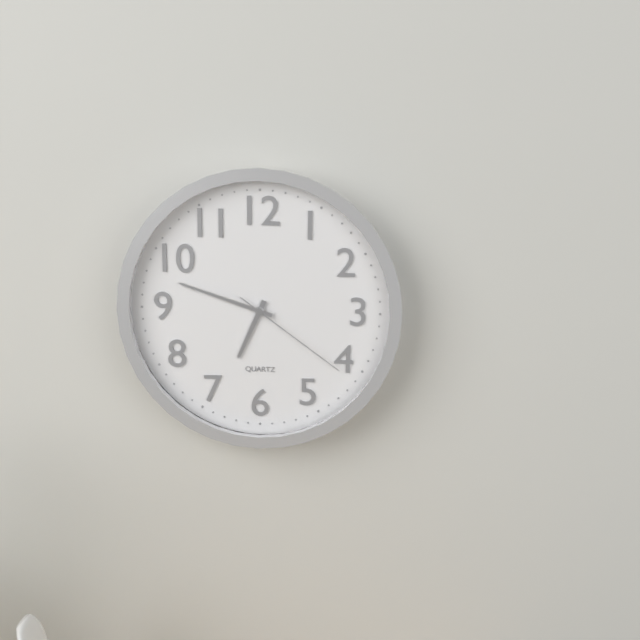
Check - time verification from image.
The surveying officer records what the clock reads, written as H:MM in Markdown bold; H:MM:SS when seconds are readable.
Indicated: **6:48:21**
